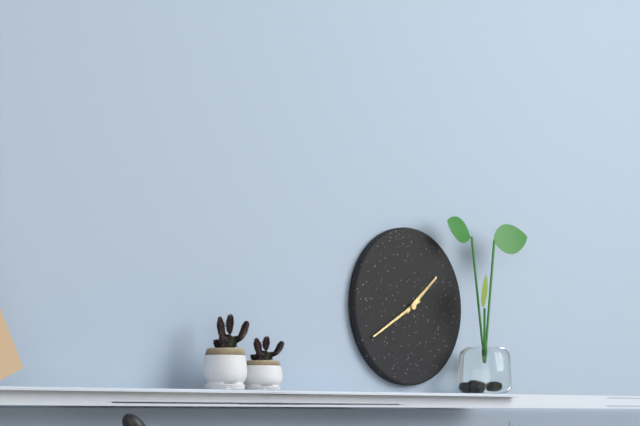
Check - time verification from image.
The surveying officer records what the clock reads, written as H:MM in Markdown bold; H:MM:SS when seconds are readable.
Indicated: **1:40**
